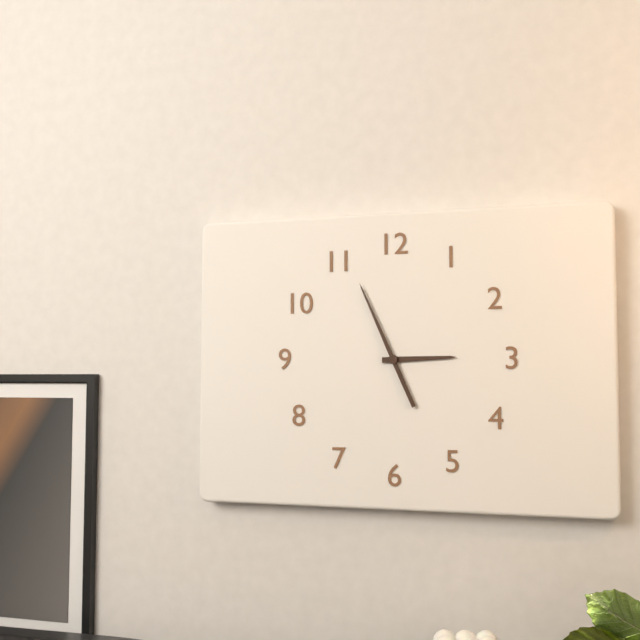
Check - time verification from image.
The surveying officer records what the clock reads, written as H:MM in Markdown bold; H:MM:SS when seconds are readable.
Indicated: **2:56**
